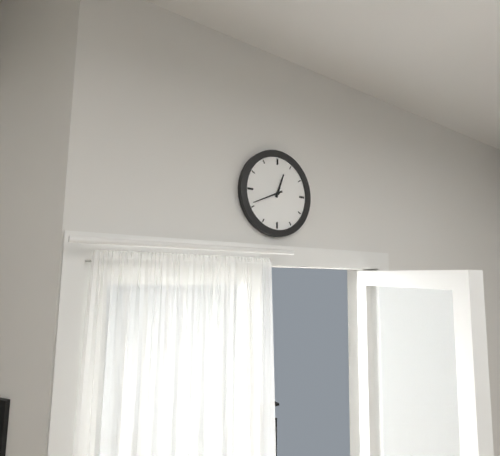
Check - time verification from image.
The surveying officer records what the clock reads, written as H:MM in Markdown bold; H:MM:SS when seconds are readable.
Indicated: **12:41**
